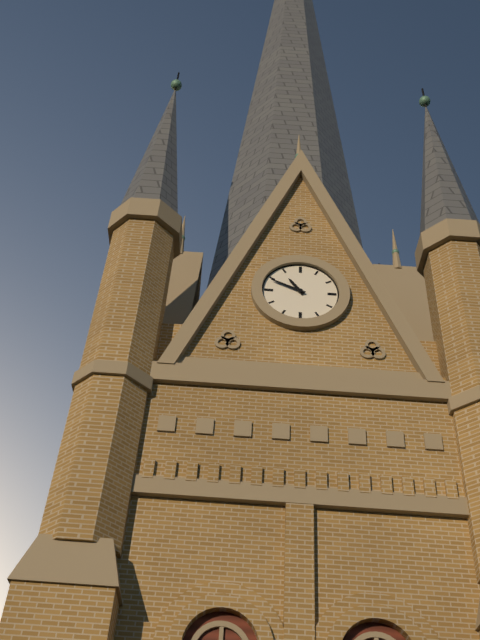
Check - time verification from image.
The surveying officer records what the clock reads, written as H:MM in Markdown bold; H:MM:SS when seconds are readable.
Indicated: **10:49**
